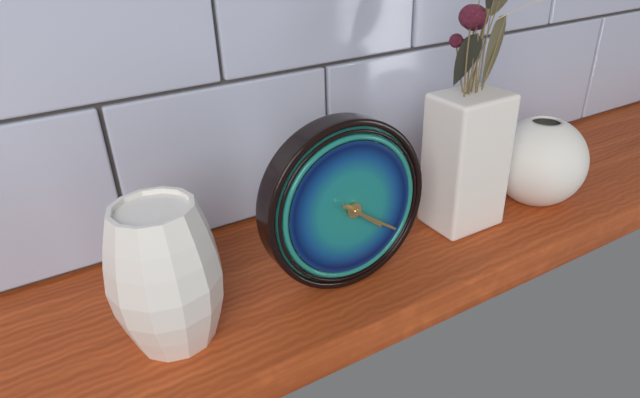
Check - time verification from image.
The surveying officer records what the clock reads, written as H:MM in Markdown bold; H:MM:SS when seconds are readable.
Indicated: **4:21**
